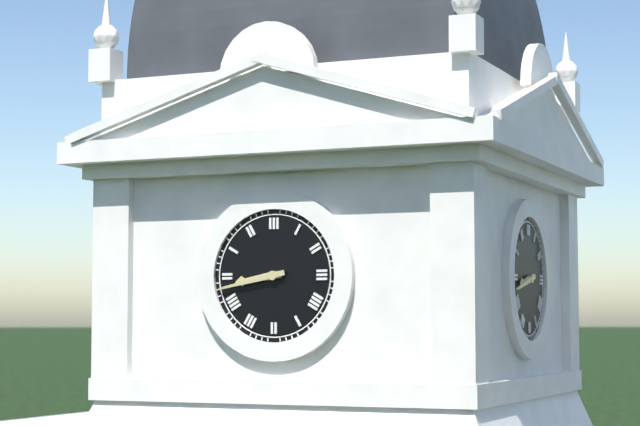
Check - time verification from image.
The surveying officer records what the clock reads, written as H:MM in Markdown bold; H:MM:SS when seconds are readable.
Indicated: **8:43**
